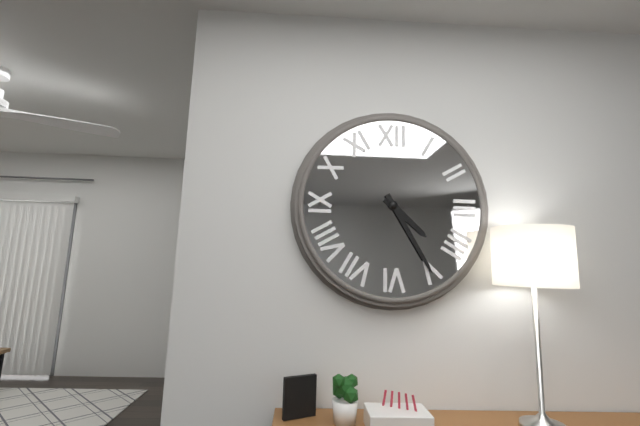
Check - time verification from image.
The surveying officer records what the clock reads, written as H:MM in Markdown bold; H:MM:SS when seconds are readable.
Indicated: **4:25**
